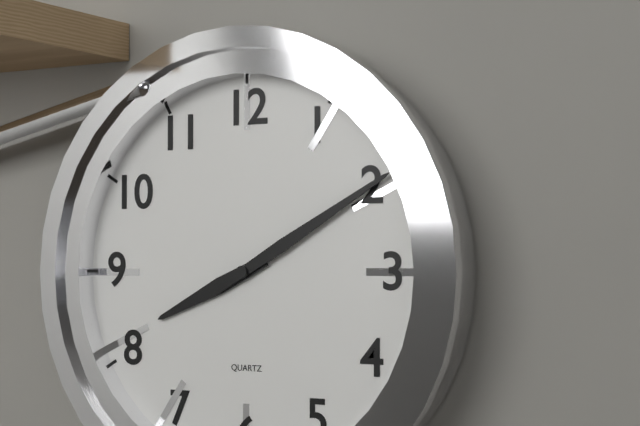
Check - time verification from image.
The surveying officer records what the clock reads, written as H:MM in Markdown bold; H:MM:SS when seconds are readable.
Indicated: **8:10**
